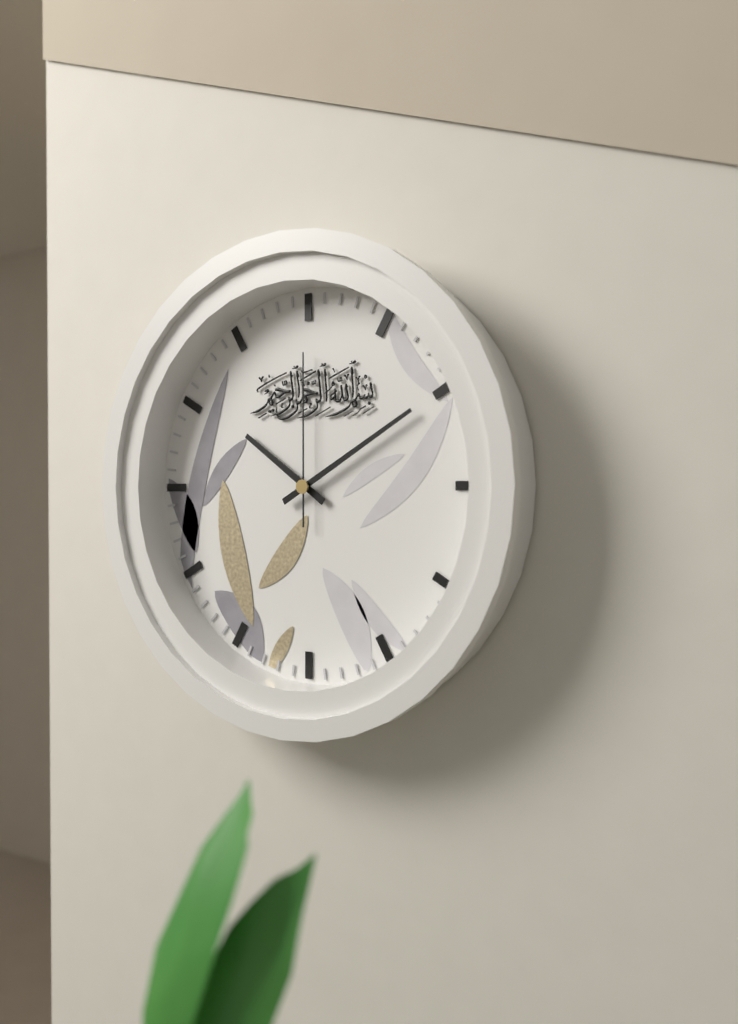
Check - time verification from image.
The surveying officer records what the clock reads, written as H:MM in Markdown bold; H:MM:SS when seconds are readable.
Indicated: **10:10:00**
